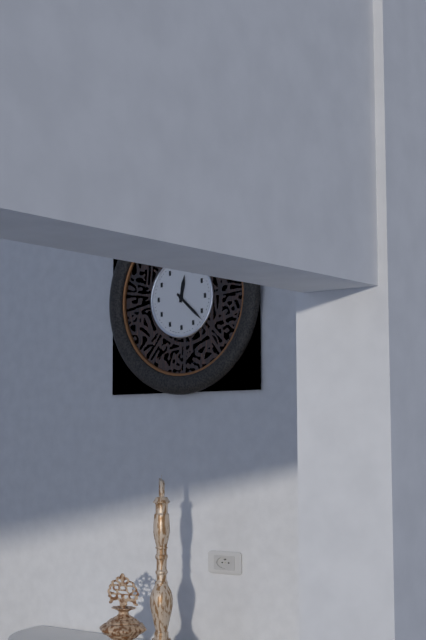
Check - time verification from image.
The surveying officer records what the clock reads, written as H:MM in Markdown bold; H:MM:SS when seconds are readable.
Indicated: **12:22**
